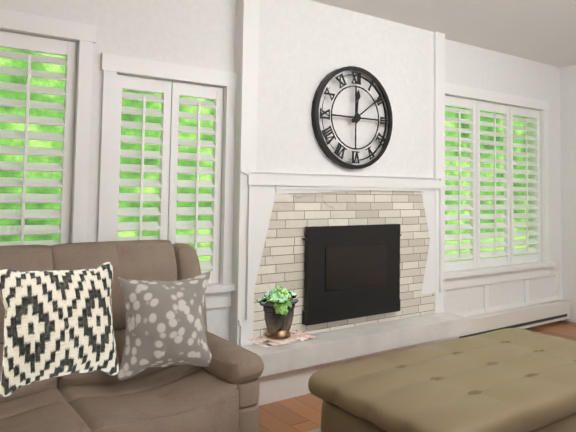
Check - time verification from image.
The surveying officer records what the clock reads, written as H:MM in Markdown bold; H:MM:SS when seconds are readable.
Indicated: **12:09**
